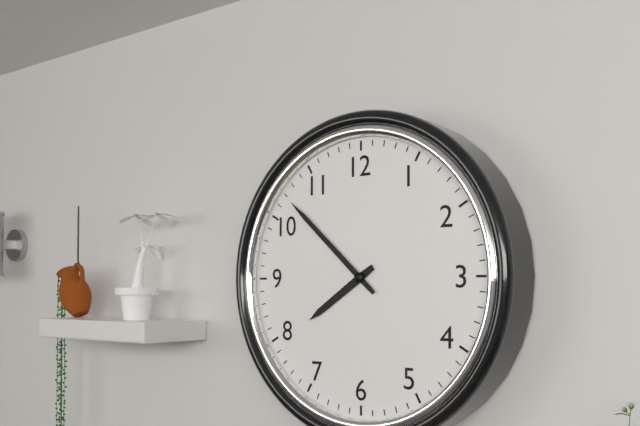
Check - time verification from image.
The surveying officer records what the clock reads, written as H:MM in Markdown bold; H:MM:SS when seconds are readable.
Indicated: **7:52**
